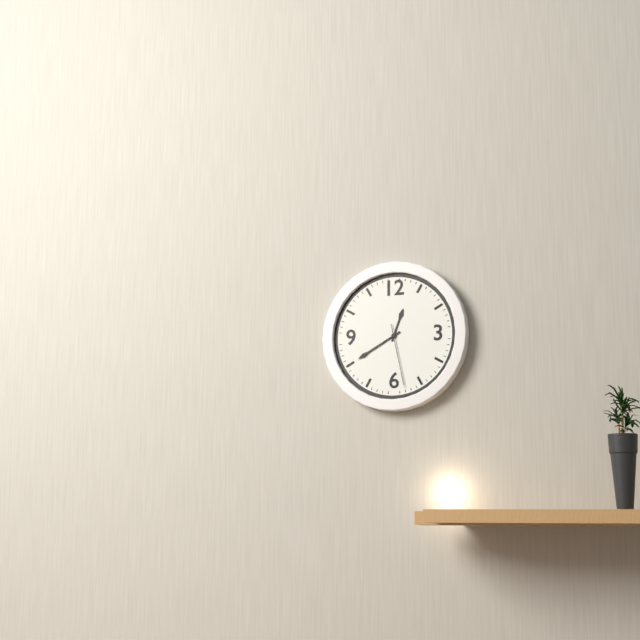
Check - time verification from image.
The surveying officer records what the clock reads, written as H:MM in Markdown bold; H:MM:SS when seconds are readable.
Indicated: **12:40:28**
